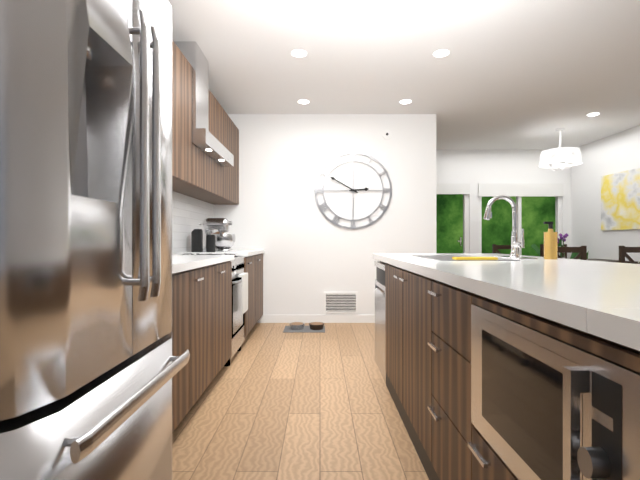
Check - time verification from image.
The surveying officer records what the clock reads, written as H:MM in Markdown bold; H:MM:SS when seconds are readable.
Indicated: **2:50**
